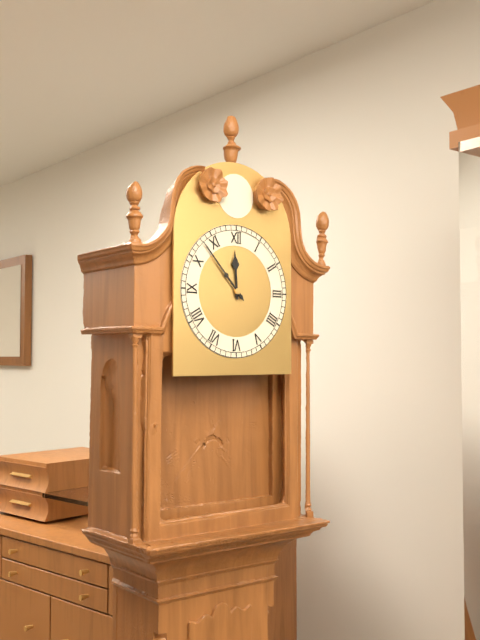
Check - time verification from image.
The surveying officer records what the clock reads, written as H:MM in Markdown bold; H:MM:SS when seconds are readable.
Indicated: **11:53**
